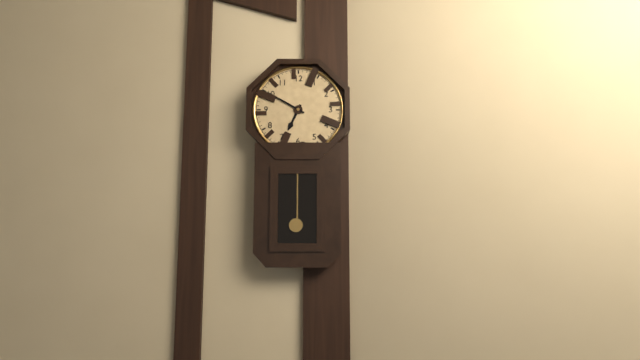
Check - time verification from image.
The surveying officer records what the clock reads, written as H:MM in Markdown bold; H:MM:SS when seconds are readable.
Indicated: **6:50**
